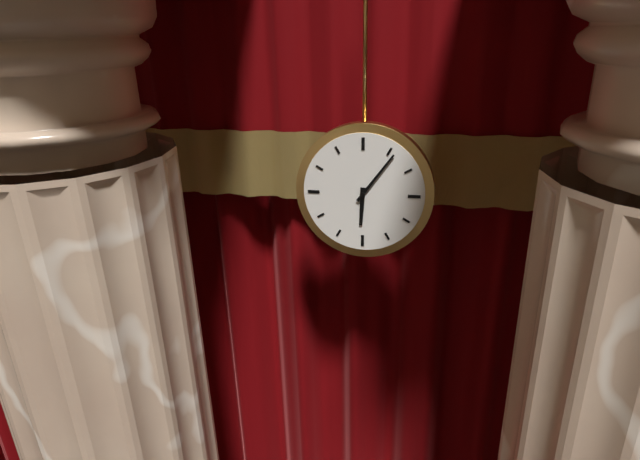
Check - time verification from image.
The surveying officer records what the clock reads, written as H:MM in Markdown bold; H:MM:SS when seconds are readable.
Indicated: **6:06**
